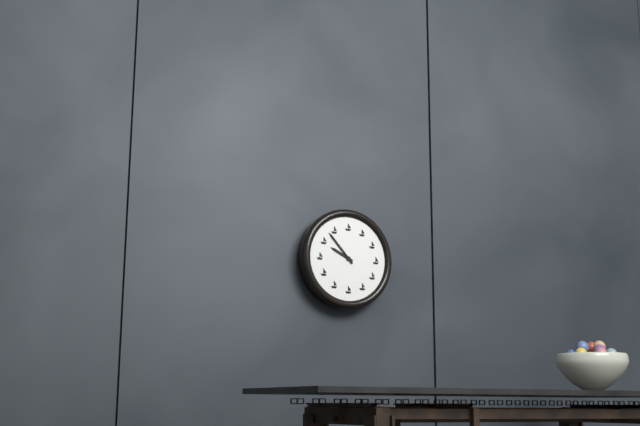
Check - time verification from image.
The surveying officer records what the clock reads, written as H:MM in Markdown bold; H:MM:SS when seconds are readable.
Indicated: **9:53**
